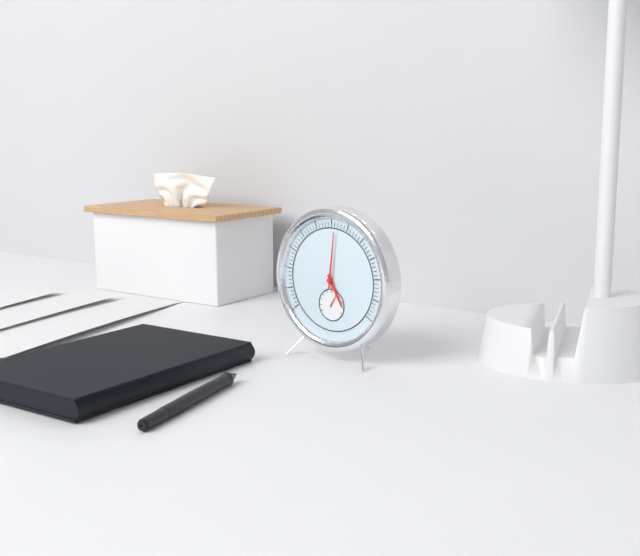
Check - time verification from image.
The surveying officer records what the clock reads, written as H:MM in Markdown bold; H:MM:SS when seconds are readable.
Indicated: **5:01**
